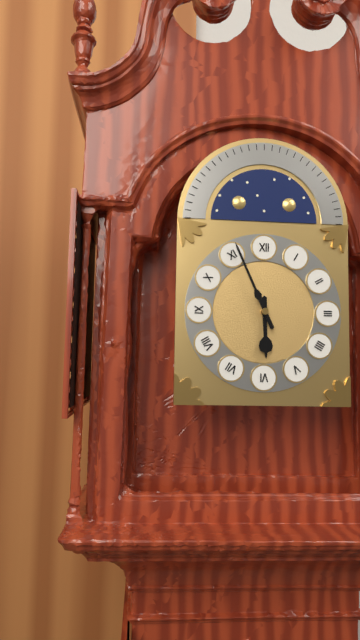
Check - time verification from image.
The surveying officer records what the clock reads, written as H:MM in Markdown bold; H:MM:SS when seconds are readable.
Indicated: **5:56**
